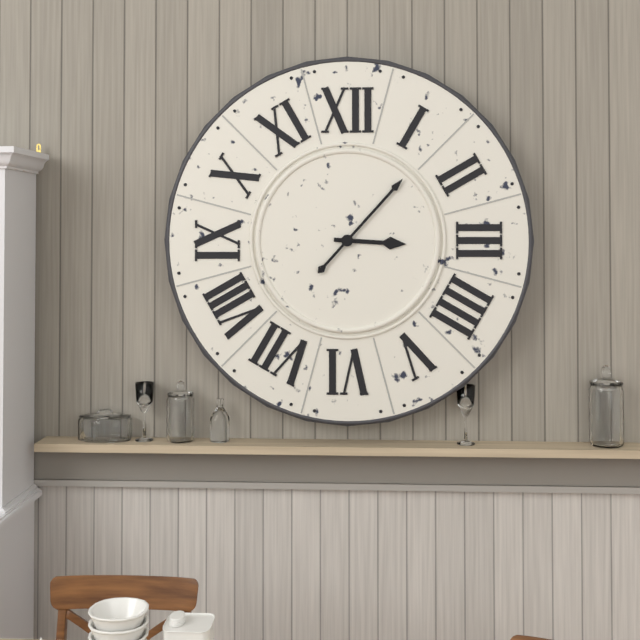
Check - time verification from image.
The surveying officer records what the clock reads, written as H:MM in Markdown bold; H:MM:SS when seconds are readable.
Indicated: **3:07**
